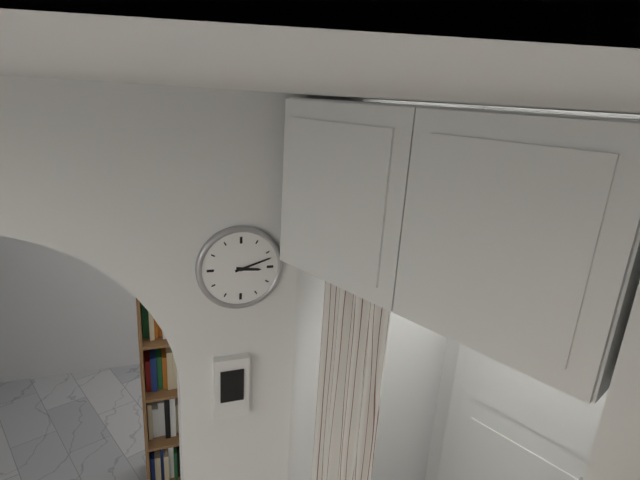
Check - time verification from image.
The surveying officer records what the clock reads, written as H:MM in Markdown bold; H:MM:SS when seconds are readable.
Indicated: **3:12**
